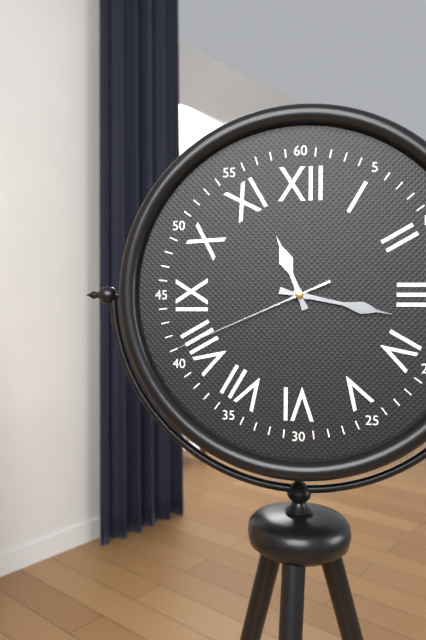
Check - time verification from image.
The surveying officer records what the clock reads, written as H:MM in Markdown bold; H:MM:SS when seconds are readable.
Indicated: **11:17:41**
